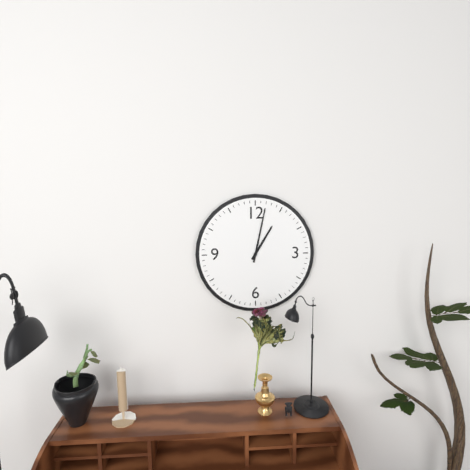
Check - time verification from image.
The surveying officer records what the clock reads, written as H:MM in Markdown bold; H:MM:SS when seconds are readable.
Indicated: **1:02**
